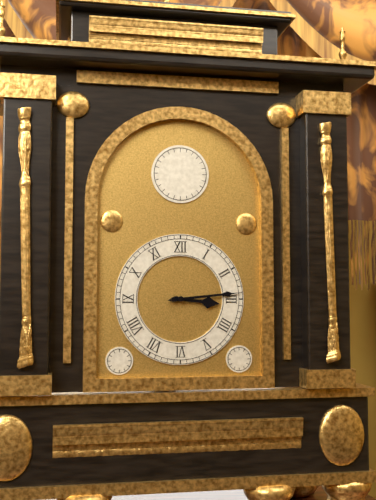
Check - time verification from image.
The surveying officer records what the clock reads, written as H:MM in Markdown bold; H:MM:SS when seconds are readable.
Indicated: **3:14**
